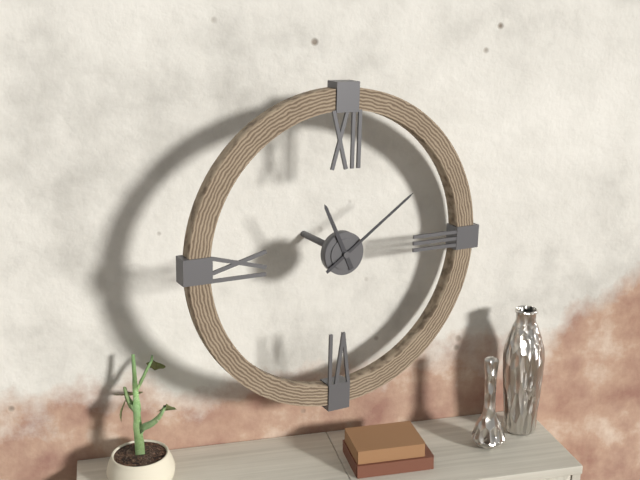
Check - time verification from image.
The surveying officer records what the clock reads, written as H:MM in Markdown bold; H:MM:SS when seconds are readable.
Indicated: **11:09**
